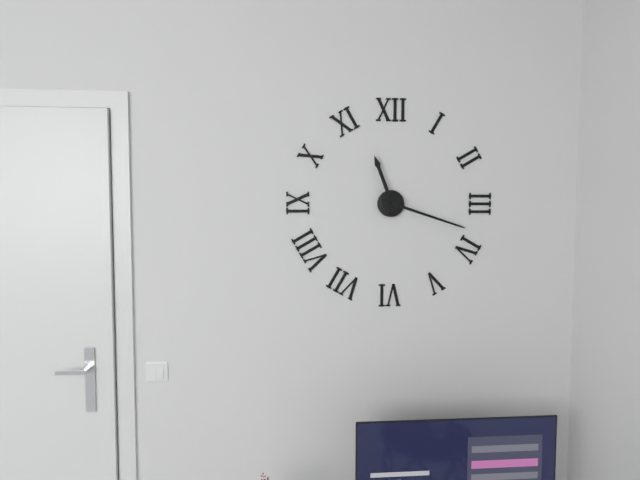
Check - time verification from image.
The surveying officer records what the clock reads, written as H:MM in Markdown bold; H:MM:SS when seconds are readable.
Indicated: **11:18**
